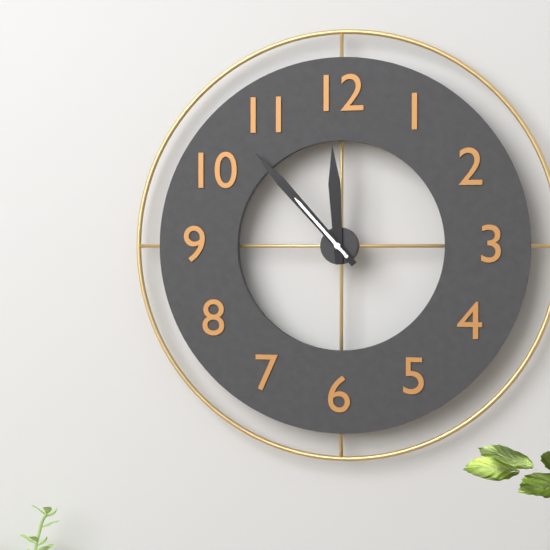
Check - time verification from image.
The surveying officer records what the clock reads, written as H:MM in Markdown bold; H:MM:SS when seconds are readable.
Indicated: **11:53:53**
